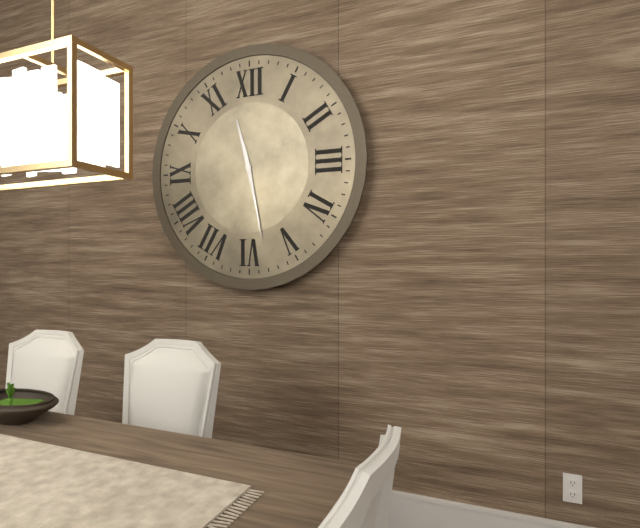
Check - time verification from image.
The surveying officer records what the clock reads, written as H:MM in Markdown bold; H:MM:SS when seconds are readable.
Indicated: **11:28**
